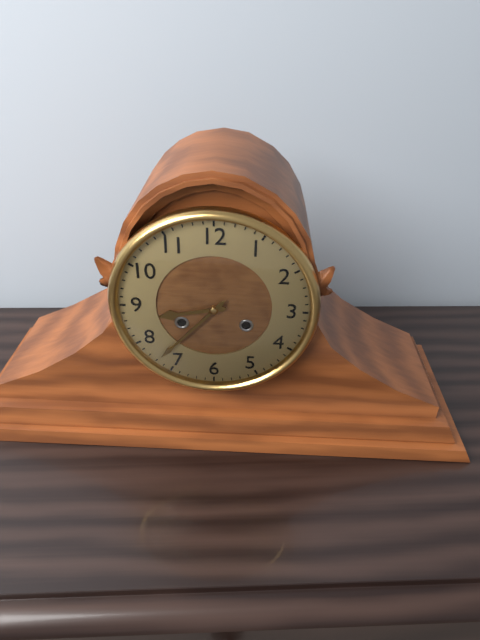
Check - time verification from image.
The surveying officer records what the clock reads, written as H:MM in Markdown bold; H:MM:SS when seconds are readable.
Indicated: **8:37**
